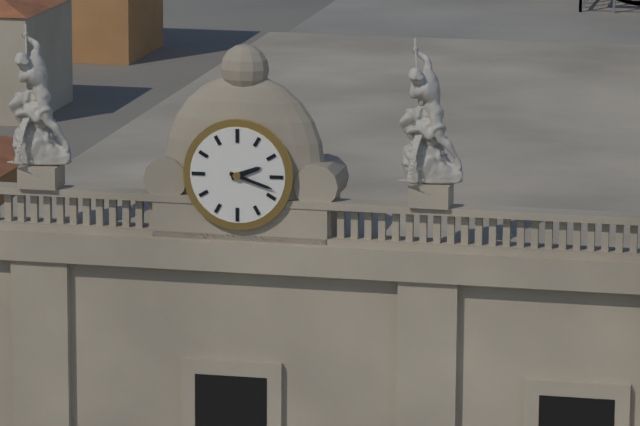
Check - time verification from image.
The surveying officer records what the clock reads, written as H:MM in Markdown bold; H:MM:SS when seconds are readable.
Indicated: **2:18**
